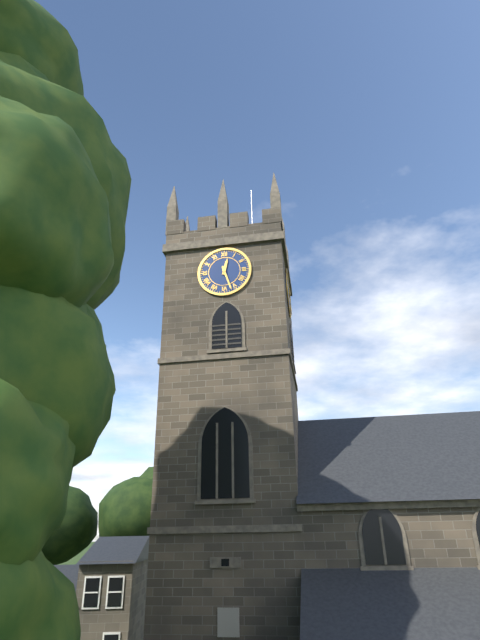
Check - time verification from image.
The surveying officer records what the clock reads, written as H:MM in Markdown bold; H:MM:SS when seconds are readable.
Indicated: **12:27**
